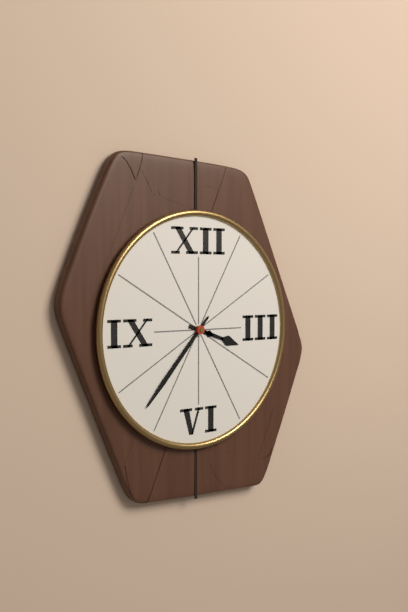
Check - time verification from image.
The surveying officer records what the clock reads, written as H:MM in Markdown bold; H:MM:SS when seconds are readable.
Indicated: **3:37**
